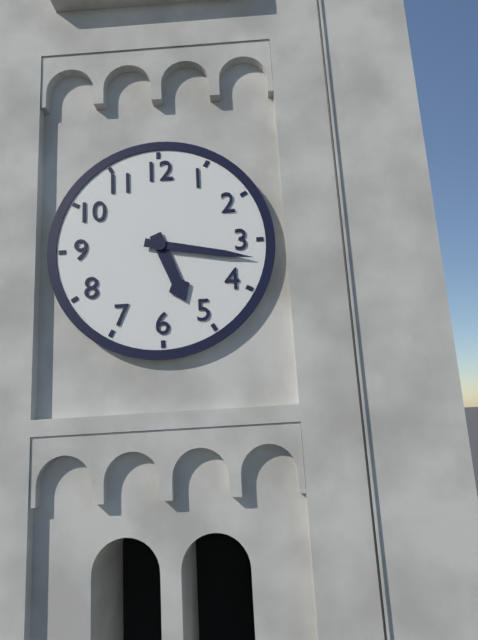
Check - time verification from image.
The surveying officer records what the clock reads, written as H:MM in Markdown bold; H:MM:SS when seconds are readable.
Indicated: **5:17**
